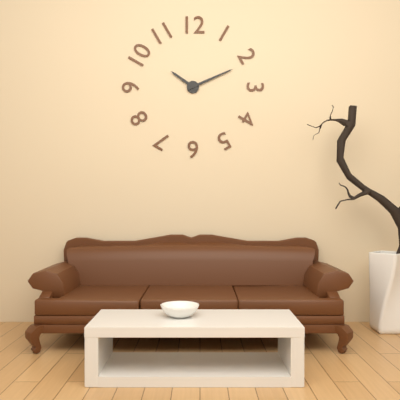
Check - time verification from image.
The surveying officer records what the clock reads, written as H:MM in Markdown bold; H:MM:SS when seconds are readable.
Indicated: **10:11**
